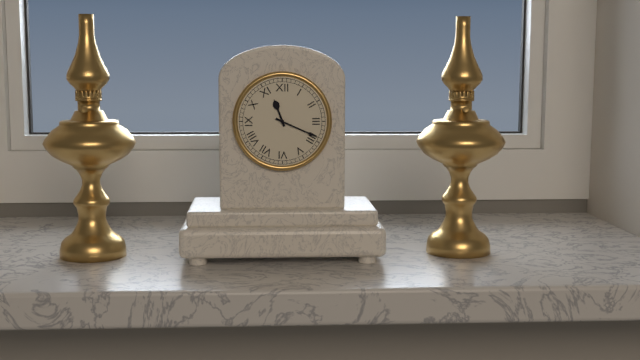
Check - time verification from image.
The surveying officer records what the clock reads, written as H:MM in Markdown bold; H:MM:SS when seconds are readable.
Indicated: **11:19**
